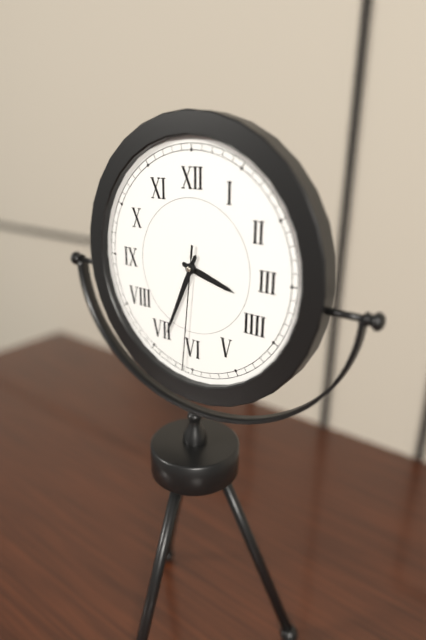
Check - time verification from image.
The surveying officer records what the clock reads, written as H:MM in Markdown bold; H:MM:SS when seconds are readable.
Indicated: **3:34:31**
